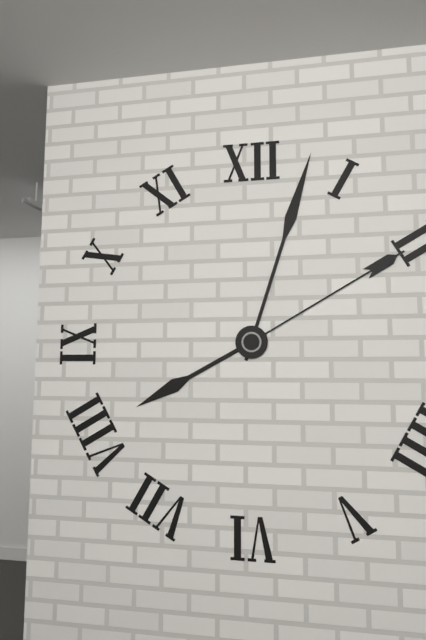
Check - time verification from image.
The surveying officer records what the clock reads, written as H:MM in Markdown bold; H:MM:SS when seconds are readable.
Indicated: **8:03:10**
